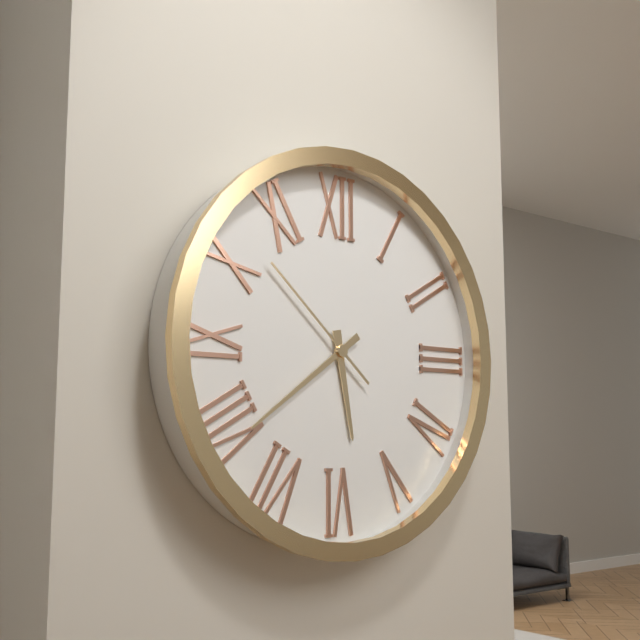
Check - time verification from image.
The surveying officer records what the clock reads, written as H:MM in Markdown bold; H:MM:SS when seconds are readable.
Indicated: **5:39:52**
